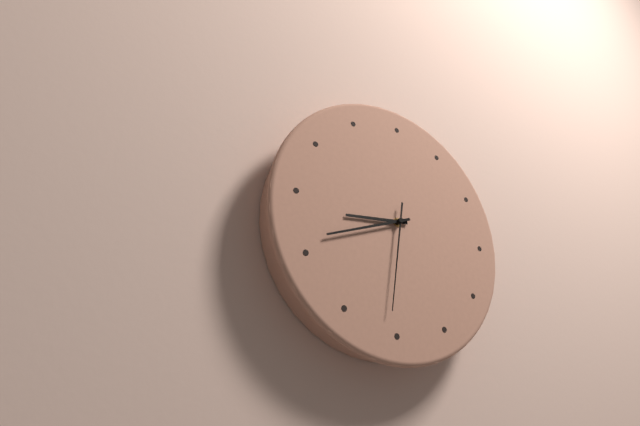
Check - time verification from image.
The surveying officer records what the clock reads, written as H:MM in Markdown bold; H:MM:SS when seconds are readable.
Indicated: **8:41:31**
